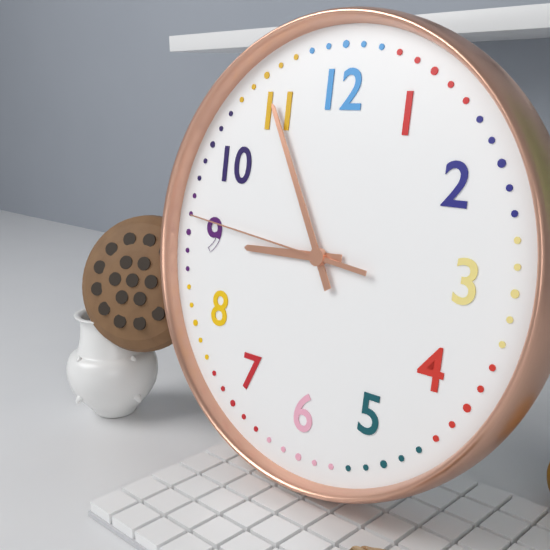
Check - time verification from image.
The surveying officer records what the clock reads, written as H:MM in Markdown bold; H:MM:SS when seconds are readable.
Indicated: **8:55:46**
